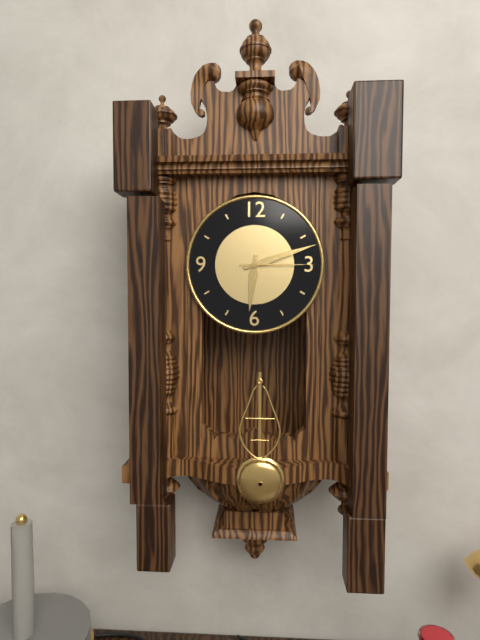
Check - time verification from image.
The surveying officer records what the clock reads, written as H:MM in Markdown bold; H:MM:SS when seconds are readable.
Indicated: **6:12:15**
